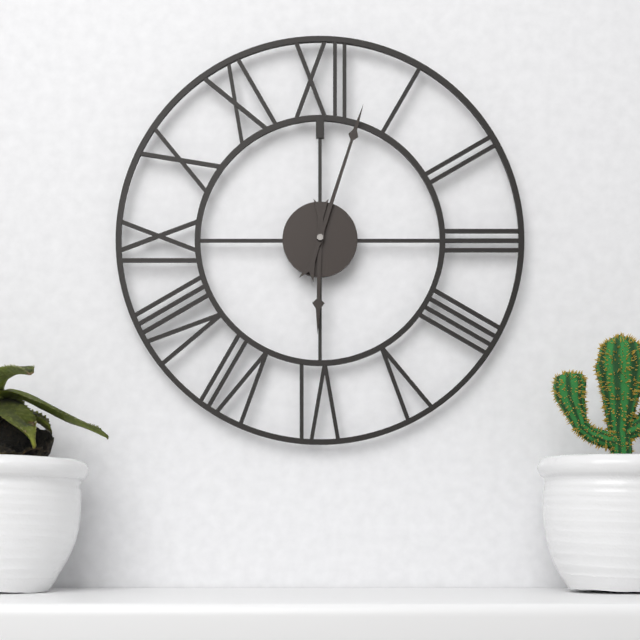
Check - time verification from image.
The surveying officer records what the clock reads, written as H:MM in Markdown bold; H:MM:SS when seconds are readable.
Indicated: **6:03**
